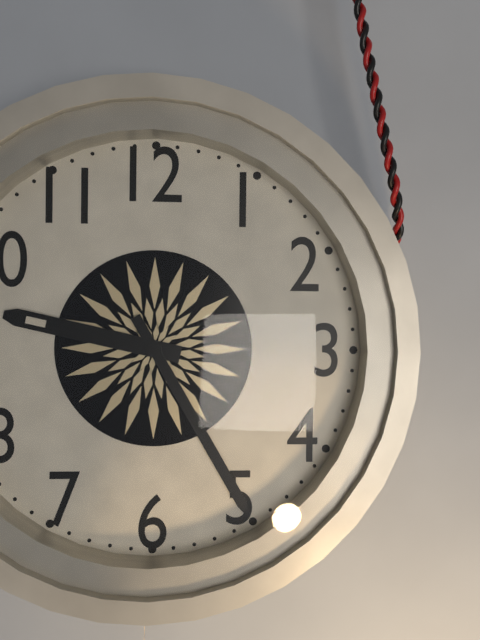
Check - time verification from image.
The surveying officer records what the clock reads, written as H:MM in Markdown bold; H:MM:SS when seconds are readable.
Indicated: **9:25**
